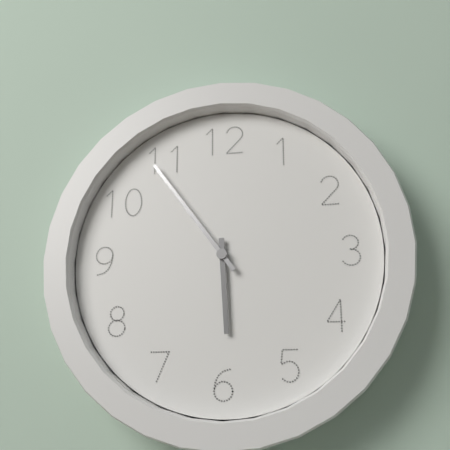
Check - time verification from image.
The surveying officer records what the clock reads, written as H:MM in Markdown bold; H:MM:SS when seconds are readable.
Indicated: **5:54**
